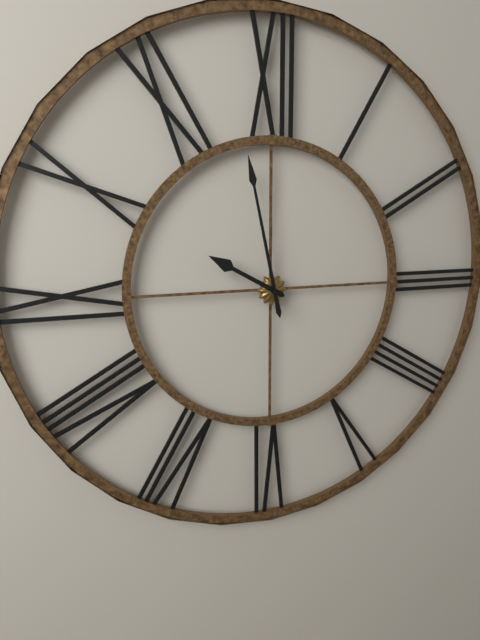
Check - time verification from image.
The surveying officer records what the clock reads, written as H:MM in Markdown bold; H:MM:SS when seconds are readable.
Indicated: **9:58**
